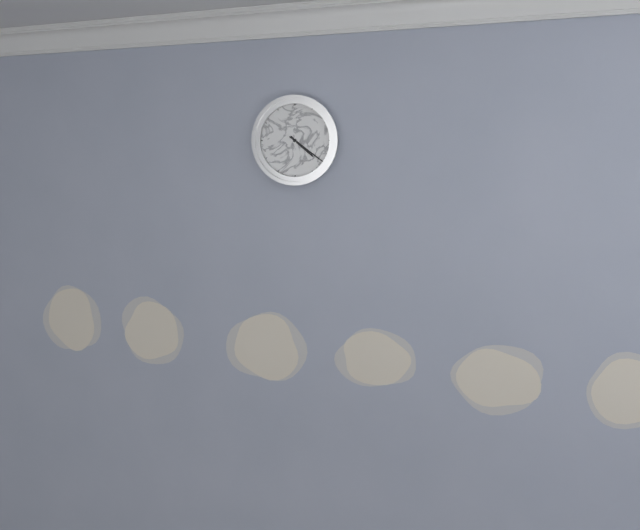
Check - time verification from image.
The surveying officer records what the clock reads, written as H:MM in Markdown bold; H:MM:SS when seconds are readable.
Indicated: **4:21**
